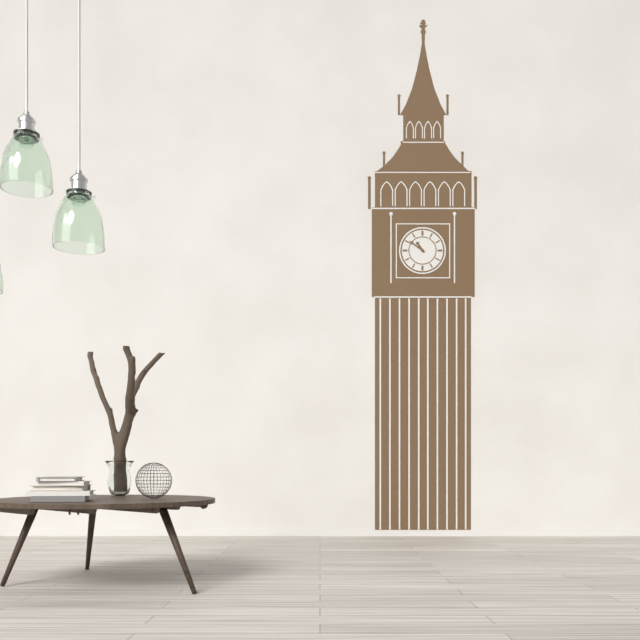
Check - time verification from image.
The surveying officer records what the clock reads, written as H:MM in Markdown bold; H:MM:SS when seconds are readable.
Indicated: **10:51**
